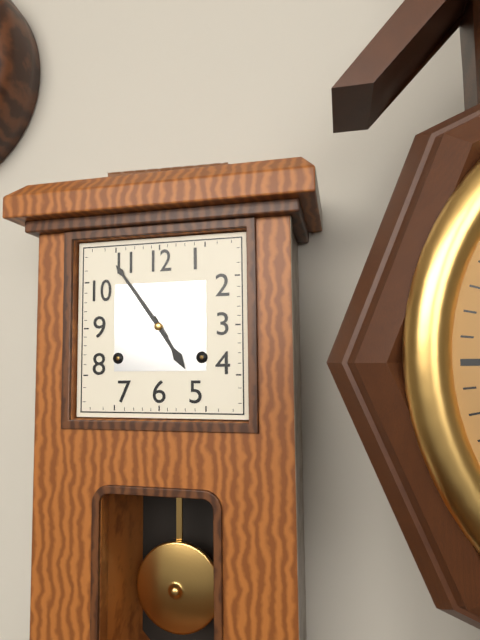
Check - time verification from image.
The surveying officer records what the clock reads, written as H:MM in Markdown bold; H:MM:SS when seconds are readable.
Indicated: **4:54**
